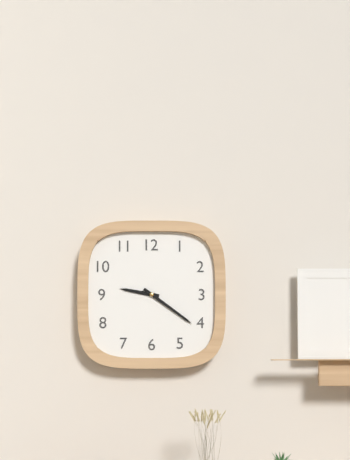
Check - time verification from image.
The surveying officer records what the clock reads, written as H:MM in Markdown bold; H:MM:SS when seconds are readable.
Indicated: **9:21**
